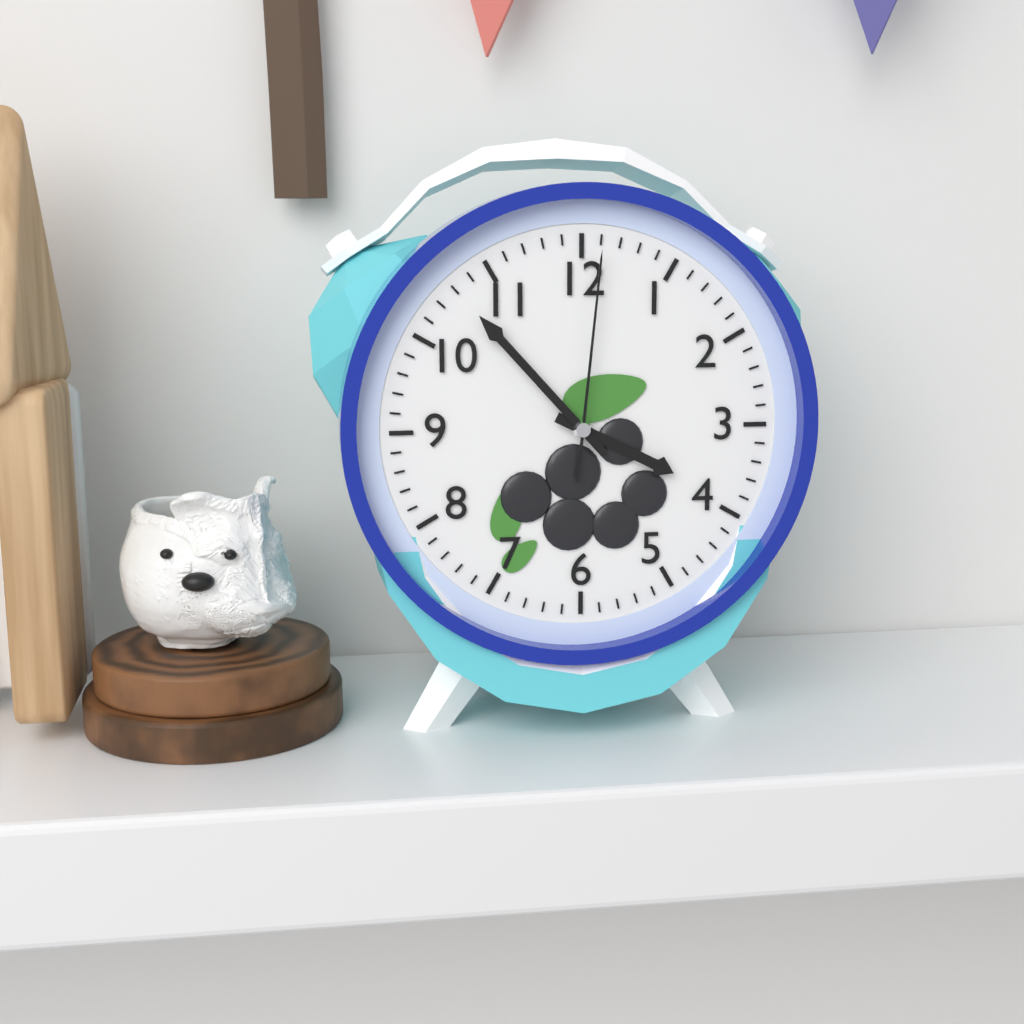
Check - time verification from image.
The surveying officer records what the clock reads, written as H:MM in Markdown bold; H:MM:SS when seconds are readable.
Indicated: **3:53:01**
